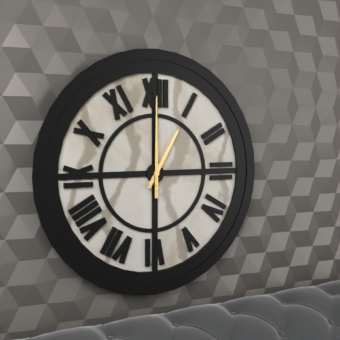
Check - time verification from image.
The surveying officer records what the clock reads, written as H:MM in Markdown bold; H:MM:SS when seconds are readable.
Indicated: **1:00**
